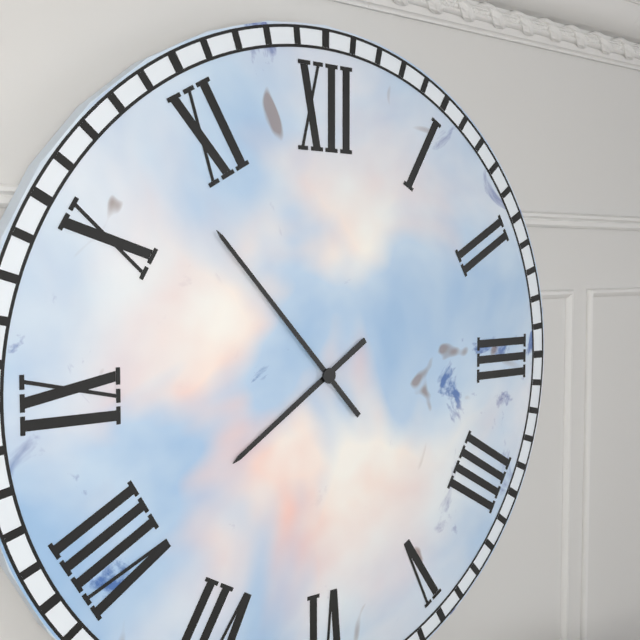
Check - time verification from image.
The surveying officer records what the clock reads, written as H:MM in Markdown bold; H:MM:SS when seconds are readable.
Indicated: **7:53**
